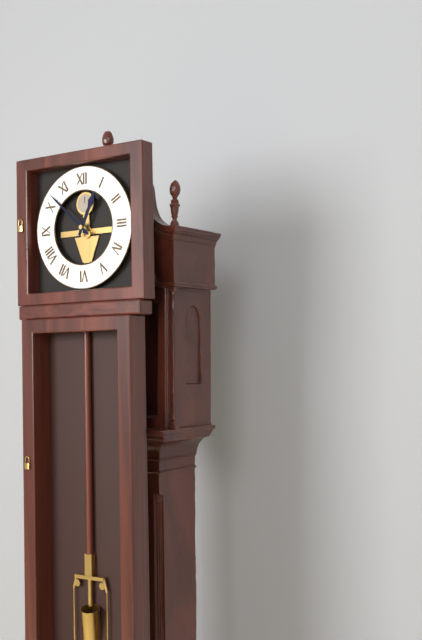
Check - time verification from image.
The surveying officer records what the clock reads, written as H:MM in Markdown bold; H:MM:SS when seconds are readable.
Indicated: **12:52**
